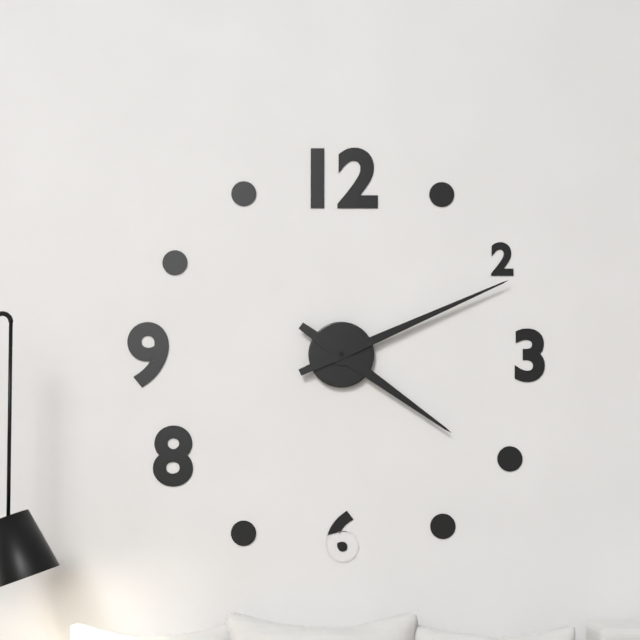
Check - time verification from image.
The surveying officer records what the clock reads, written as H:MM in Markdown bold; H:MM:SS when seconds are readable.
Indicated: **4:11**
